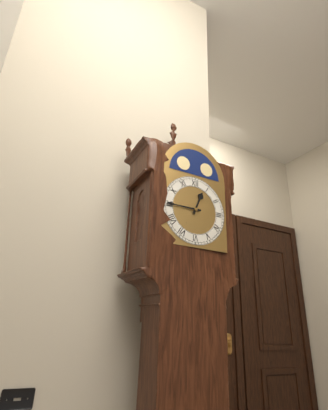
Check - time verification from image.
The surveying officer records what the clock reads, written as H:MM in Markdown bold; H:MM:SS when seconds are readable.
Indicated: **12:45**
